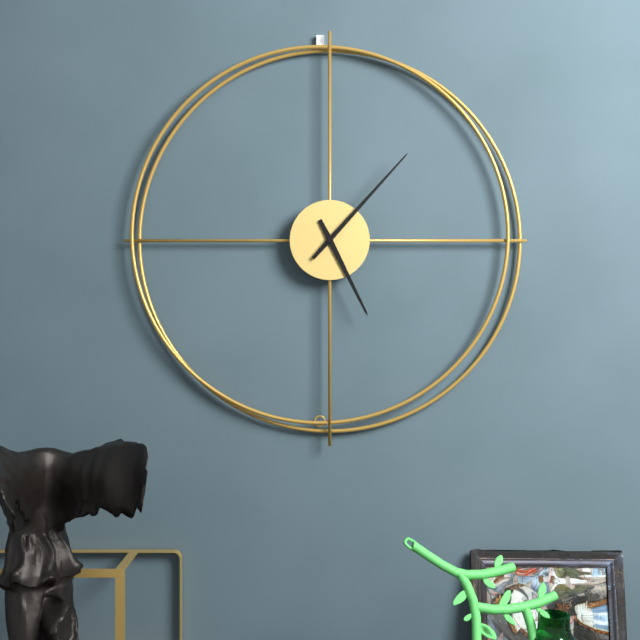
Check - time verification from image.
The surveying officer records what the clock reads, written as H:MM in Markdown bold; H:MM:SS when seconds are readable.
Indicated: **5:07**
